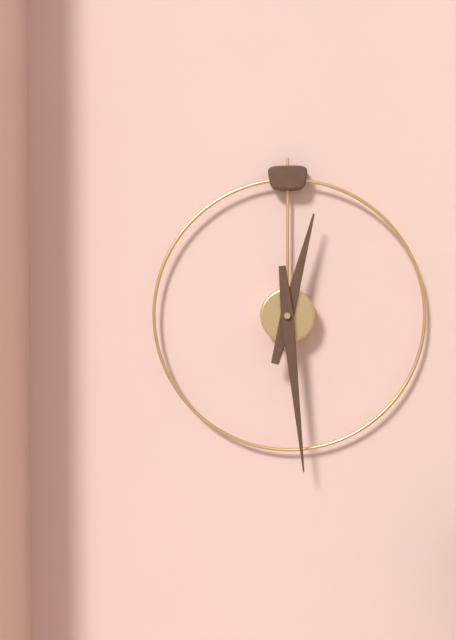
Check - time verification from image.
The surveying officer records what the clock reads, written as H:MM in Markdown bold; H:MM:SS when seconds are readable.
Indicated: **12:29**
